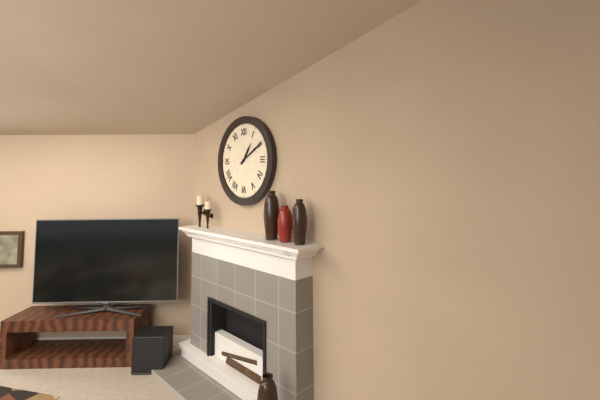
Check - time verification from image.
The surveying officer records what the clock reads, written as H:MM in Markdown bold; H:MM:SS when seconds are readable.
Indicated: **1:10**
